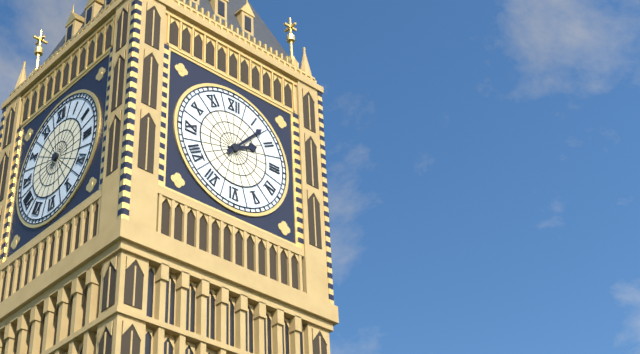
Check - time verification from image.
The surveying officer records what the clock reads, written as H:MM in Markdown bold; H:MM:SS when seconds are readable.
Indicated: **2:07**
